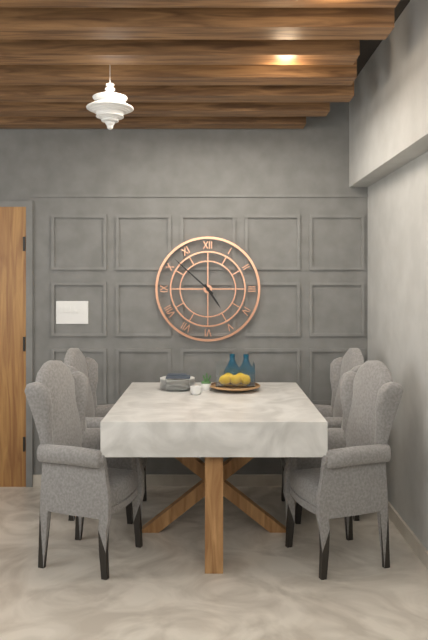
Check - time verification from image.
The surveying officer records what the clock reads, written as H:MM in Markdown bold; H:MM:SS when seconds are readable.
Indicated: **4:52**
